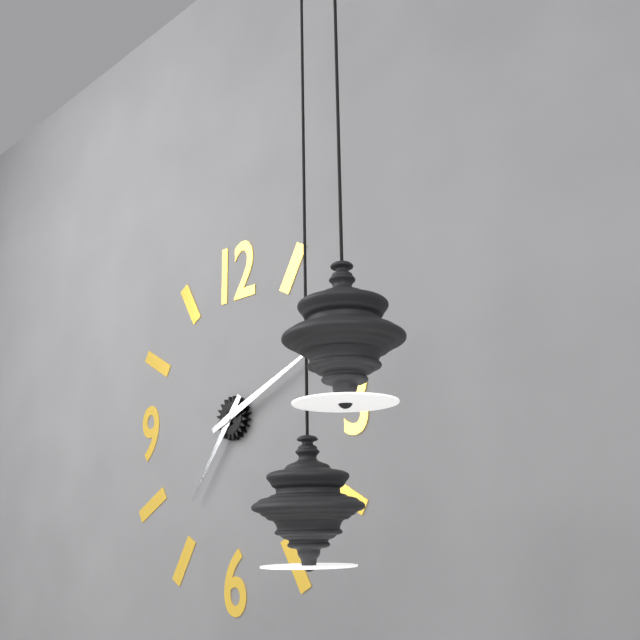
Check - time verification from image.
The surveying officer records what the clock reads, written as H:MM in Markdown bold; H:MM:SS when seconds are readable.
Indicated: **7:11**
